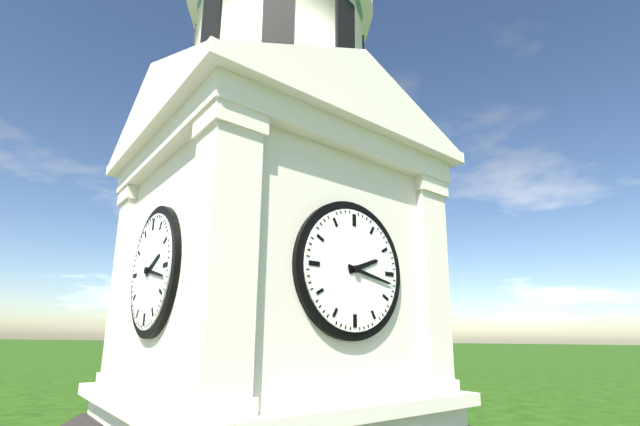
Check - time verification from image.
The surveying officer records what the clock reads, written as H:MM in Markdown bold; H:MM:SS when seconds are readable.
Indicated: **2:17**
